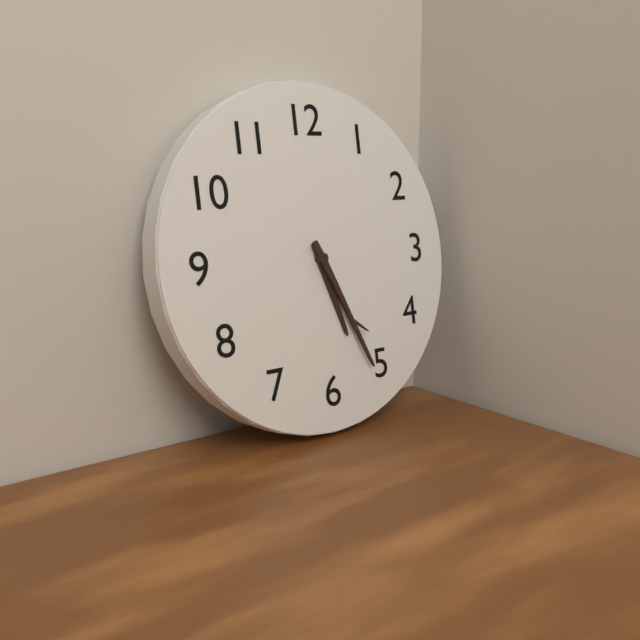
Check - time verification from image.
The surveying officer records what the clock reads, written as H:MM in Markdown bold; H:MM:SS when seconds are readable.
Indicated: **5:26**
